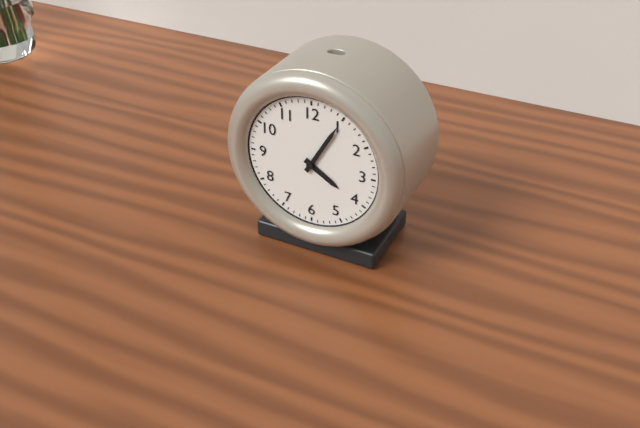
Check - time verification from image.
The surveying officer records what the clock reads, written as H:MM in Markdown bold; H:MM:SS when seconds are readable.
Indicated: **4:05**
